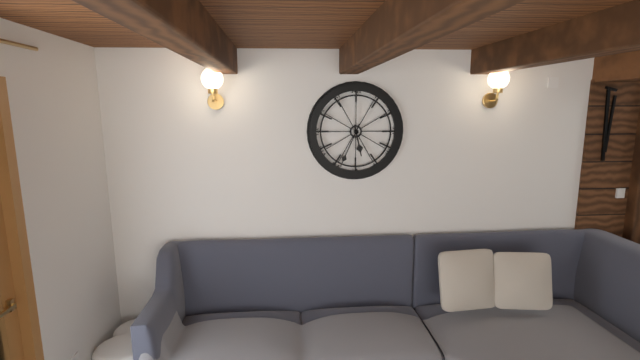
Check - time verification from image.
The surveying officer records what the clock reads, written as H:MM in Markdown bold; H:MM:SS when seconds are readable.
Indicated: **5:34**
